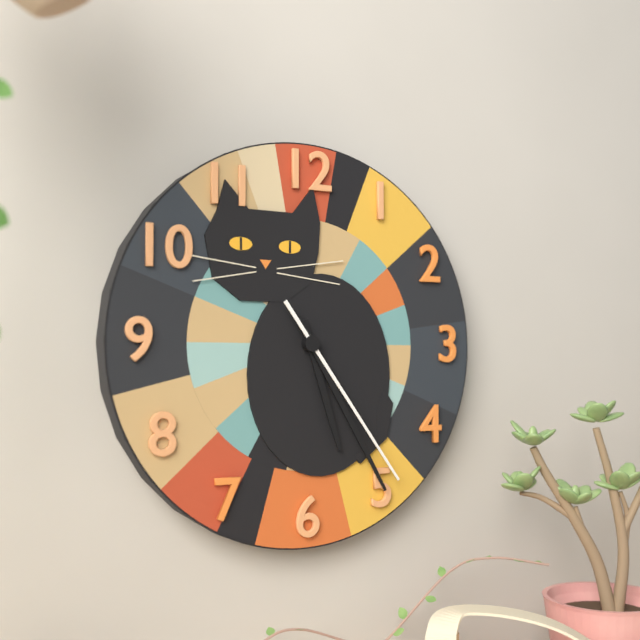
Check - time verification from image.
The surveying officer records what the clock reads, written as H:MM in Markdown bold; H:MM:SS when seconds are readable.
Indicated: **5:25:24**
